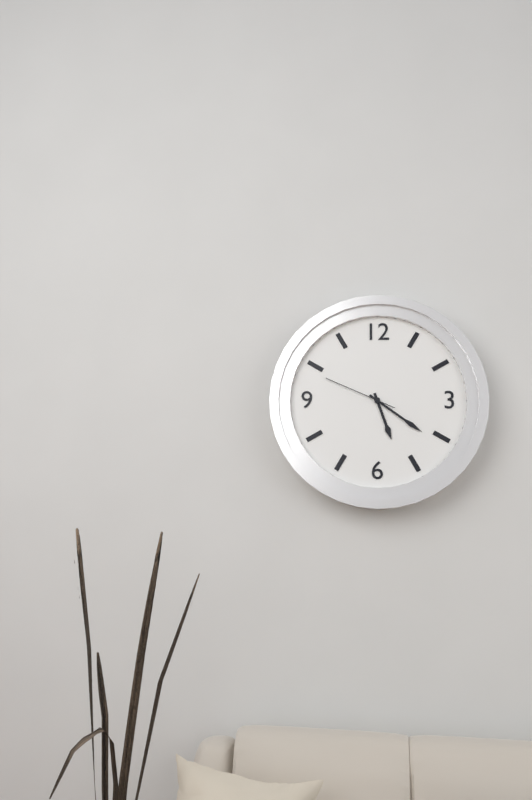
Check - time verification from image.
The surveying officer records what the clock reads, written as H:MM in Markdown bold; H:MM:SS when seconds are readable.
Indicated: **5:21:49**
